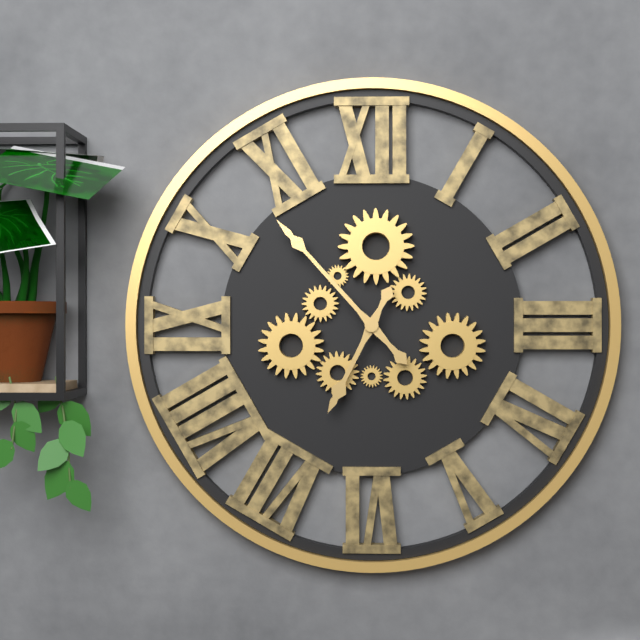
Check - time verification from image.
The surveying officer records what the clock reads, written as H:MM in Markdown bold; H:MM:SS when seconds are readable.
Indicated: **6:53**
